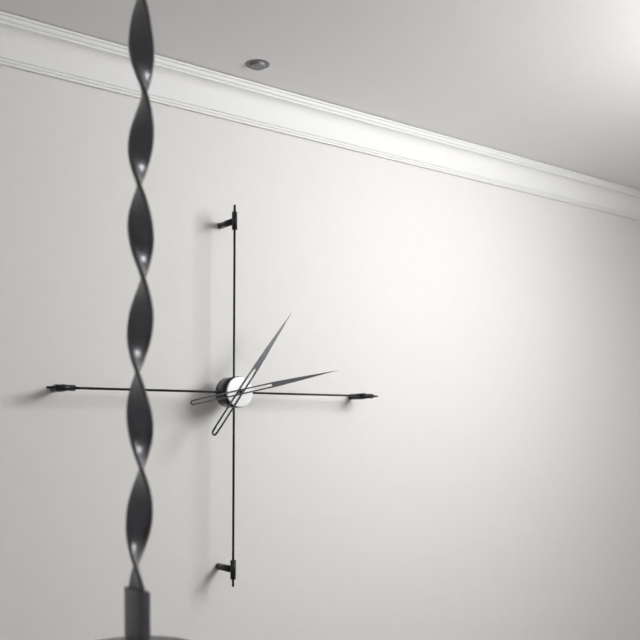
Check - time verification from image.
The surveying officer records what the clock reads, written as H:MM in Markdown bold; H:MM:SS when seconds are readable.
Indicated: **1:13**
